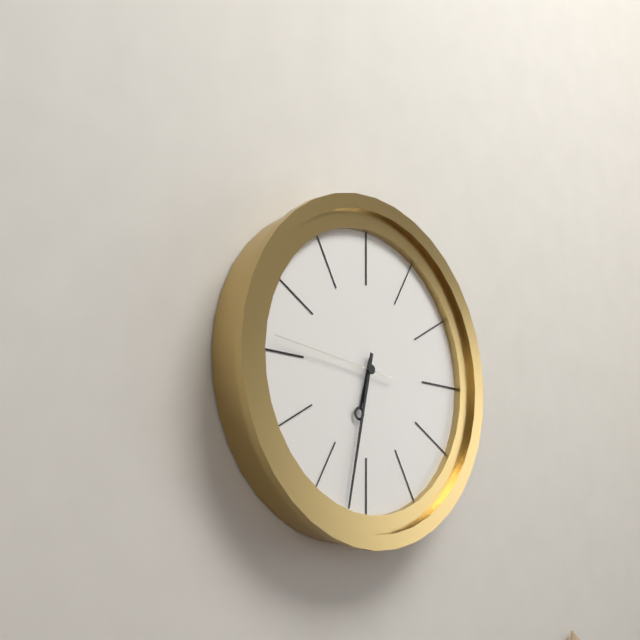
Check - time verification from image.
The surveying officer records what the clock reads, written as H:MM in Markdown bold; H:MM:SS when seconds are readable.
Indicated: **6:32:46**
